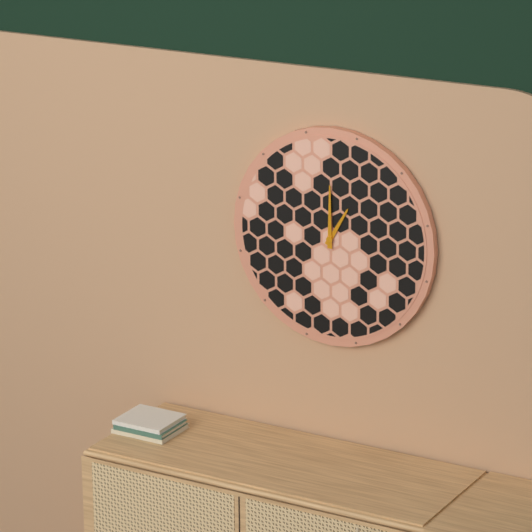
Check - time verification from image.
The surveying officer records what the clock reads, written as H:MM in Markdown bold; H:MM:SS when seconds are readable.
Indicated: **1:00**
